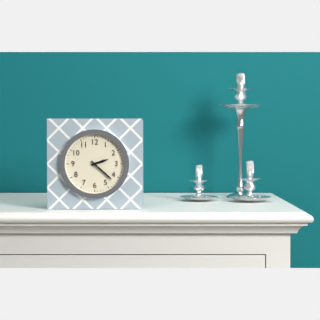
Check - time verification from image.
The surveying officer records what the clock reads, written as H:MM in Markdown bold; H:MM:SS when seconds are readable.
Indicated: **2:22**
